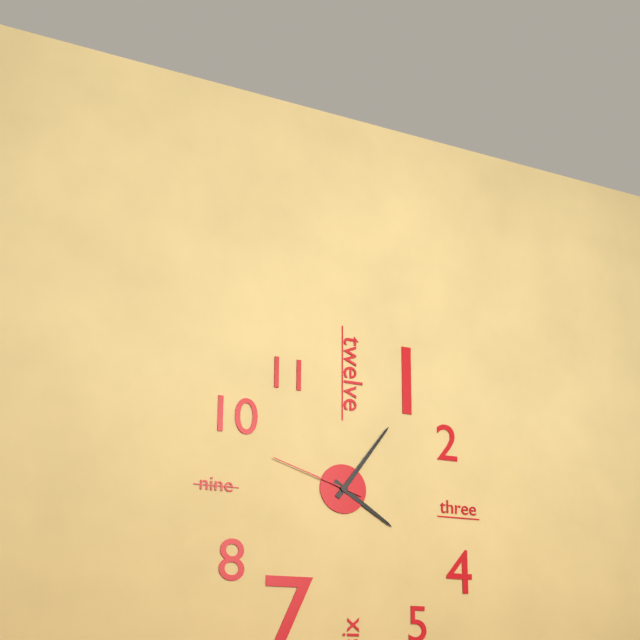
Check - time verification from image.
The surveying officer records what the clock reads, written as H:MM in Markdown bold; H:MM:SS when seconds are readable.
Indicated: **4:06:48**
